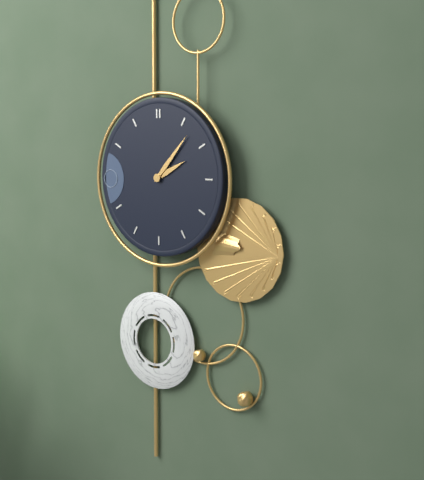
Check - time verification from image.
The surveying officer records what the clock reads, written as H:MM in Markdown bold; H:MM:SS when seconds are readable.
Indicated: **2:07**
